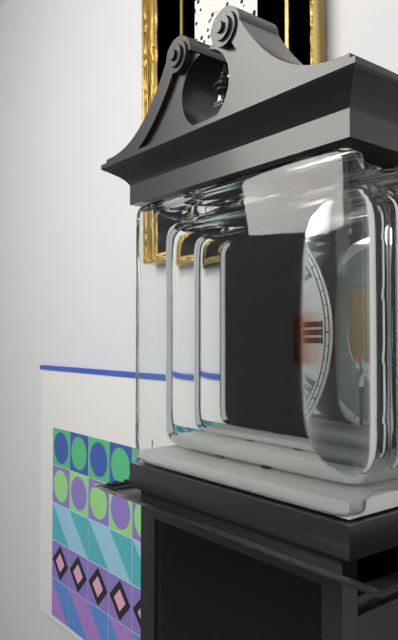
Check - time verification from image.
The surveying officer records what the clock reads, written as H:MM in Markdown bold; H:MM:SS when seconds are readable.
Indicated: **5:34**
